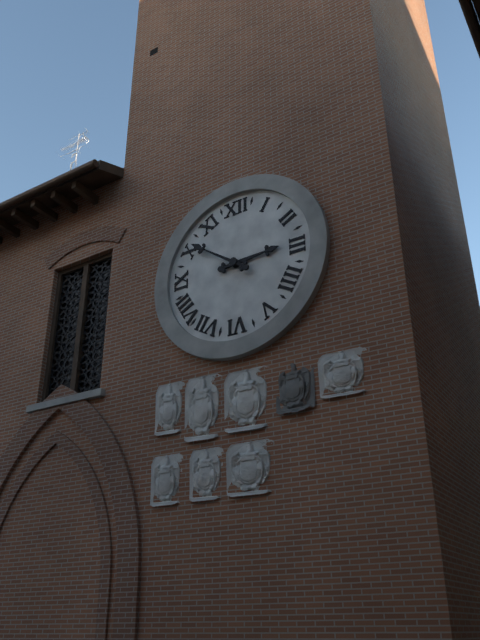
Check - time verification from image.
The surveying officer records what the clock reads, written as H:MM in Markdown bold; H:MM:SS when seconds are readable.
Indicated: **2:51**
